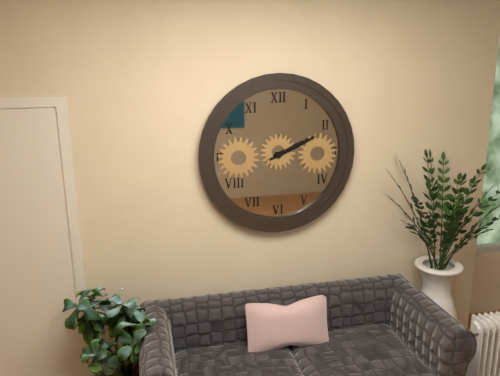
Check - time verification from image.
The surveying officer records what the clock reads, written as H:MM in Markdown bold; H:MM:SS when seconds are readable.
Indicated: **2:11**
